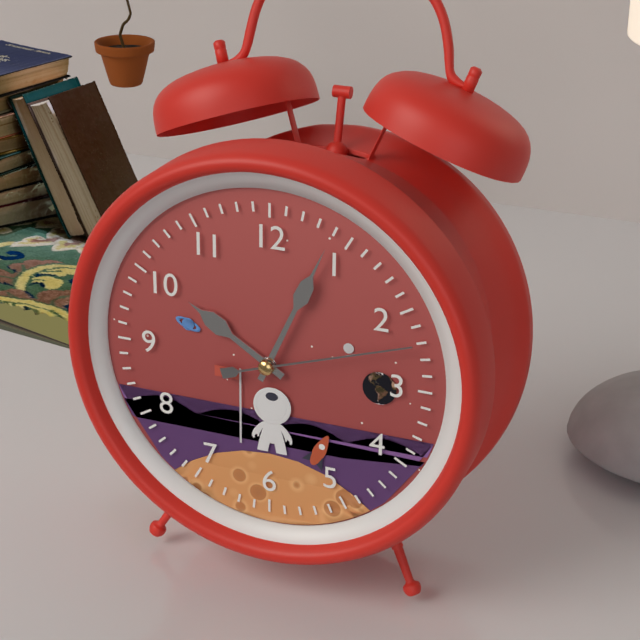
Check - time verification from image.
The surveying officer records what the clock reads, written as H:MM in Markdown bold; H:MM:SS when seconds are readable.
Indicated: **10:04:12**
